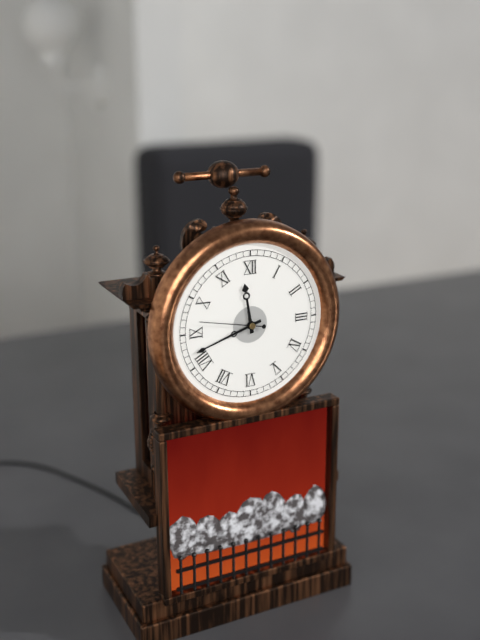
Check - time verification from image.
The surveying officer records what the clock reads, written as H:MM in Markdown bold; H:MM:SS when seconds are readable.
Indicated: **11:42:47**
